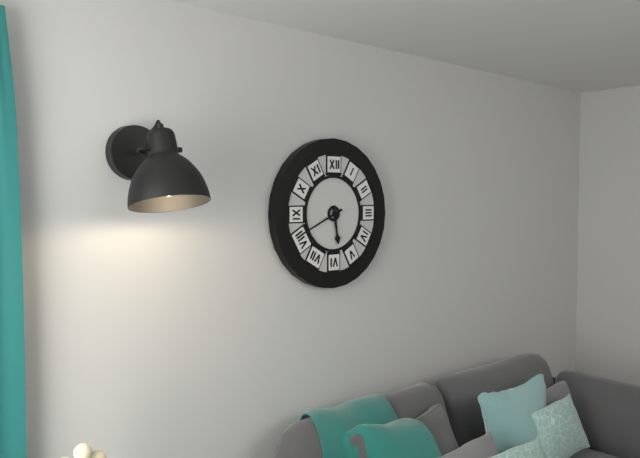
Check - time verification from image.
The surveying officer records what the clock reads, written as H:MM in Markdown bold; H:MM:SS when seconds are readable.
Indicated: **5:41**
